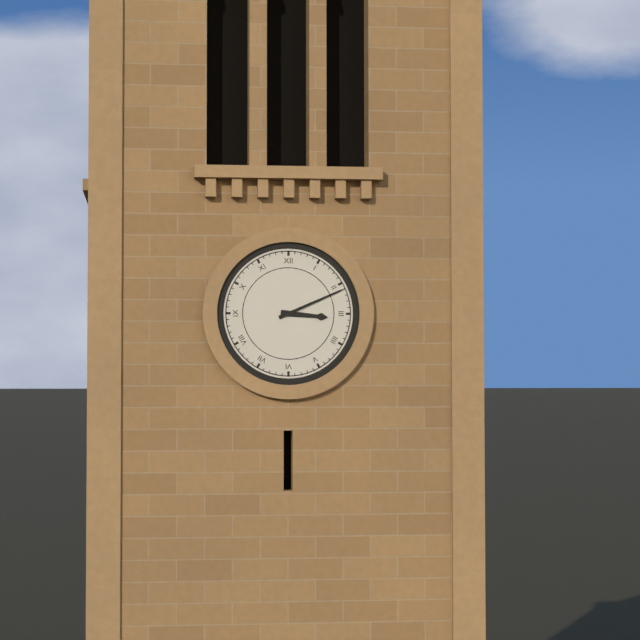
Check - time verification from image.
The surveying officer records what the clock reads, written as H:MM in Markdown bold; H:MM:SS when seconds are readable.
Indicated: **3:11**
